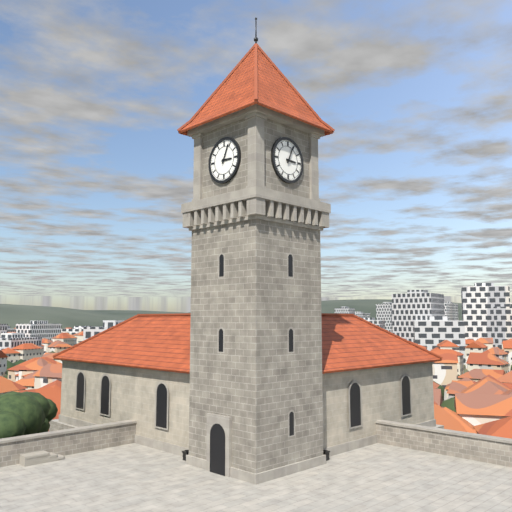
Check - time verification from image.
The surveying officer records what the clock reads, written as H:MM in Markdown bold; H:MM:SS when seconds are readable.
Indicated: **3:04**
